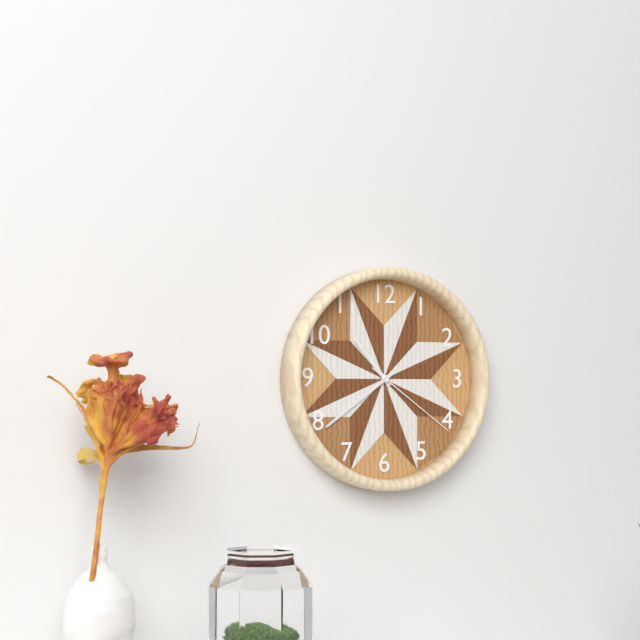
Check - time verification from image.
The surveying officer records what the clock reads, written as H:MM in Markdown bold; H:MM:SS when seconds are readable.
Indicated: **10:39:21**
